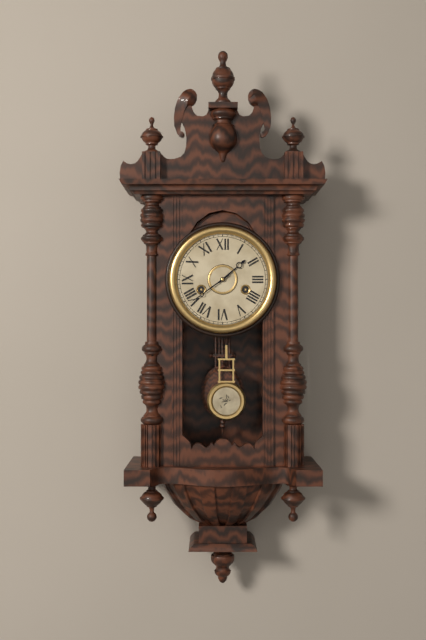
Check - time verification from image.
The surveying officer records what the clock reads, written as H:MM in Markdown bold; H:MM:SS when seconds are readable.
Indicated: **1:39**
